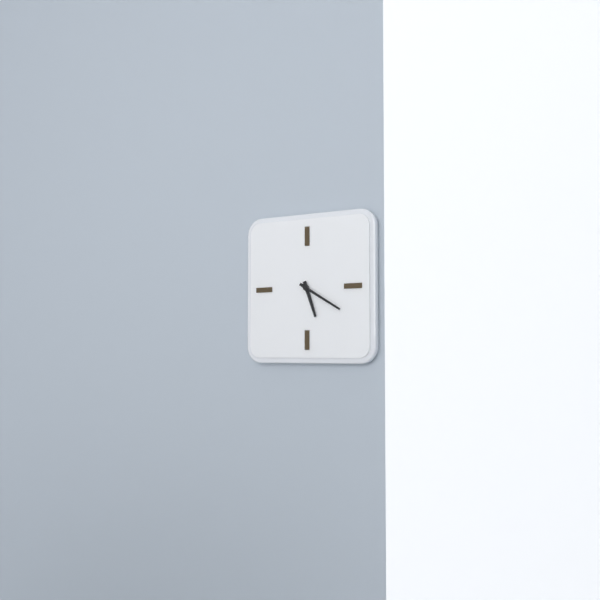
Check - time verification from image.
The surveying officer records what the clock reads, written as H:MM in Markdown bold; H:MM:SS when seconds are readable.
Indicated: **5:20**
